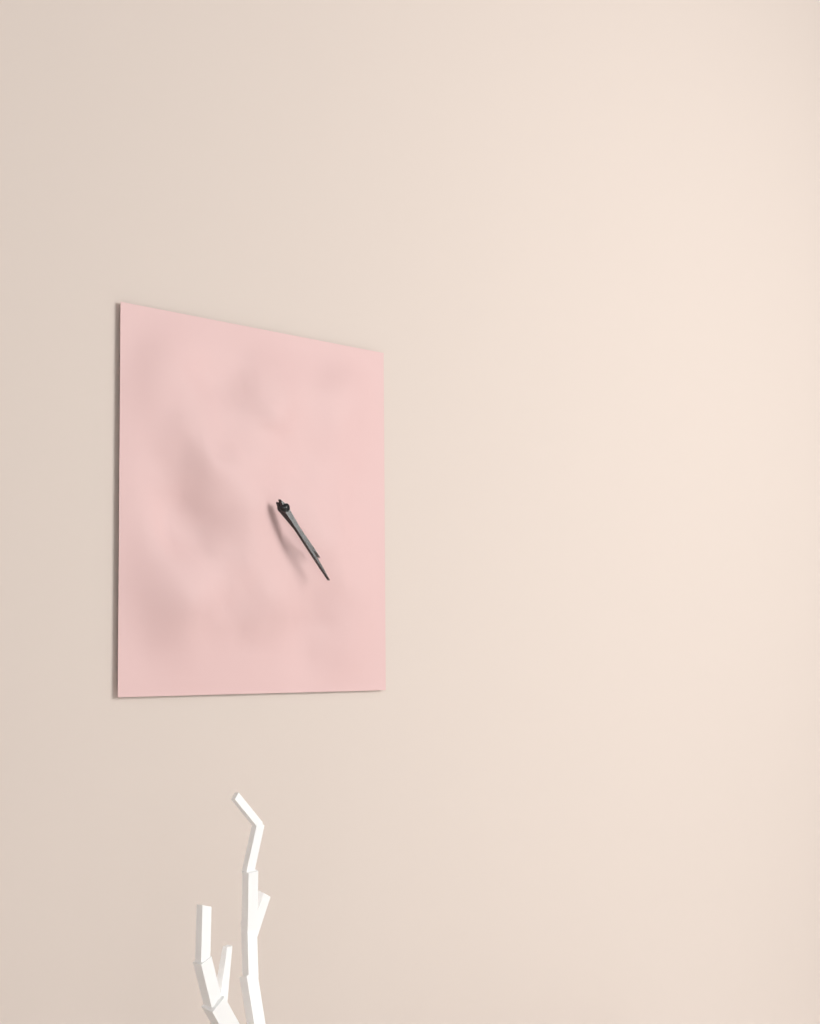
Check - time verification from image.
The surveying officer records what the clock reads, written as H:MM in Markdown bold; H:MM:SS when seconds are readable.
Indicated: **4:23**
